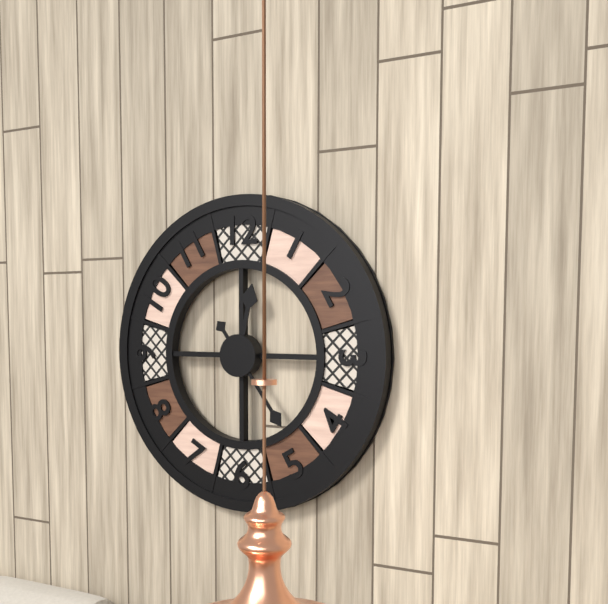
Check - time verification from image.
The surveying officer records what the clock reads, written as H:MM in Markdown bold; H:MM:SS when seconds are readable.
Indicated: **12:24**
